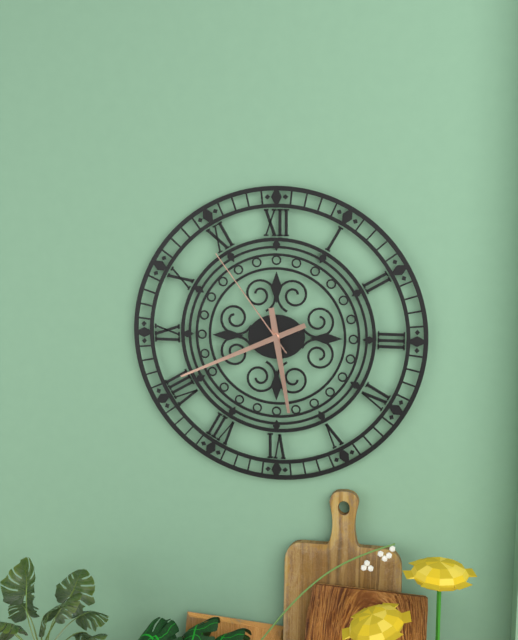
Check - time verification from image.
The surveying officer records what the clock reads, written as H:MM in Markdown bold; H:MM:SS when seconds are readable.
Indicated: **5:41:54**
